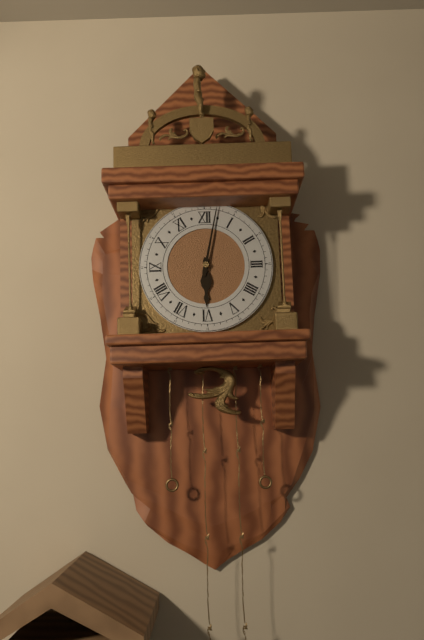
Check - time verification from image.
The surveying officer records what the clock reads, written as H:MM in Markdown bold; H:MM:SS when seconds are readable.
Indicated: **6:02**
